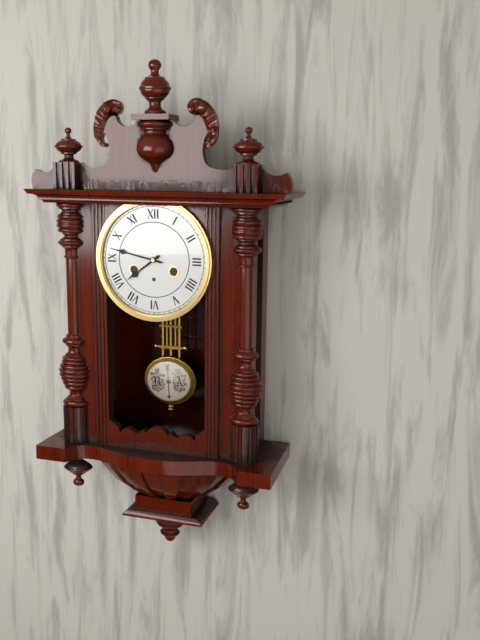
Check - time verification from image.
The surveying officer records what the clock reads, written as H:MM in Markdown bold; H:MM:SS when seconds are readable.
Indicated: **7:47**
